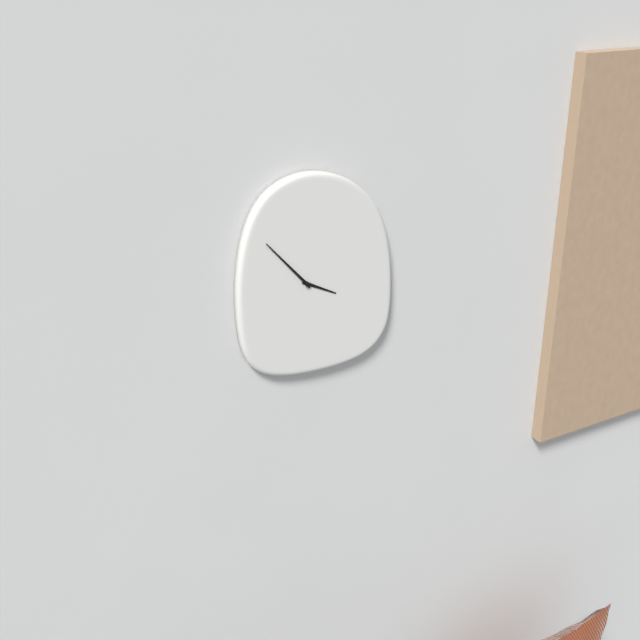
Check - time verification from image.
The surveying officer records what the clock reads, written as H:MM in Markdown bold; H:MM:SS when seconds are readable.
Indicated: **3:53**
